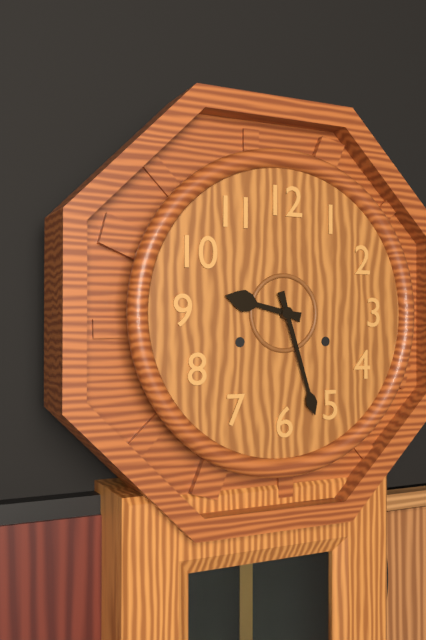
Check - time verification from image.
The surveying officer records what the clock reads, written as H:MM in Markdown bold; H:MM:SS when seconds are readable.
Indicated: **9:27**
